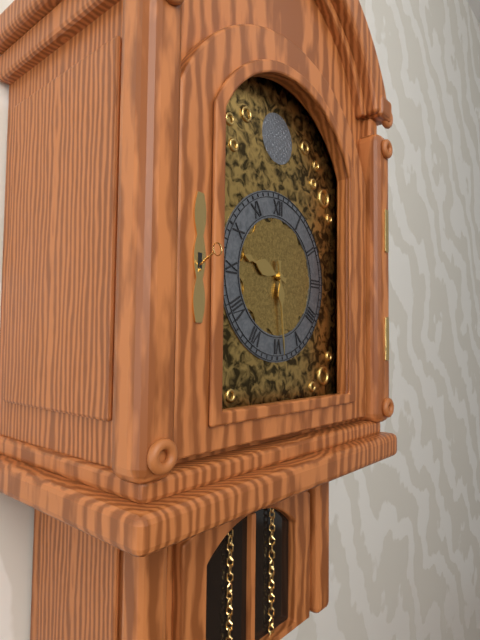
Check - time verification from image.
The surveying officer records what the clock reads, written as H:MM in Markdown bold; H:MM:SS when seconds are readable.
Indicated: **9:29**
